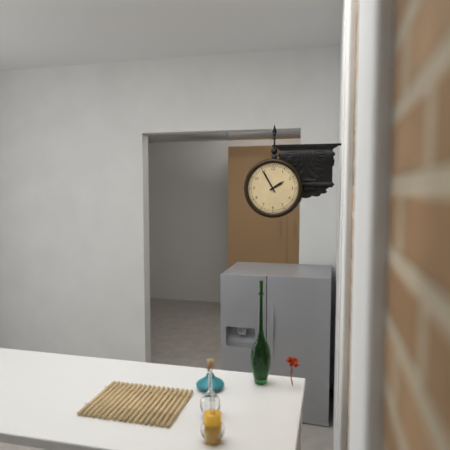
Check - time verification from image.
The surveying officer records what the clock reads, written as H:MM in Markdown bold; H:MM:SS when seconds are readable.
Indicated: **1:55**
